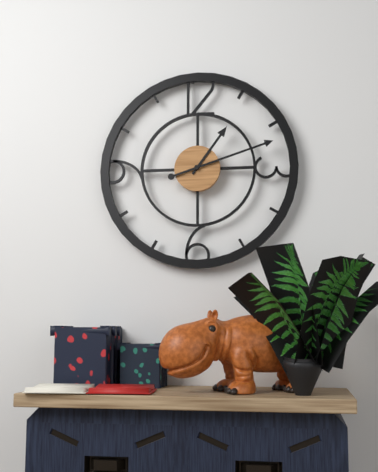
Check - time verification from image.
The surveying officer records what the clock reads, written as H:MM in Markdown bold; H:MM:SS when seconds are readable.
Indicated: **1:12**
